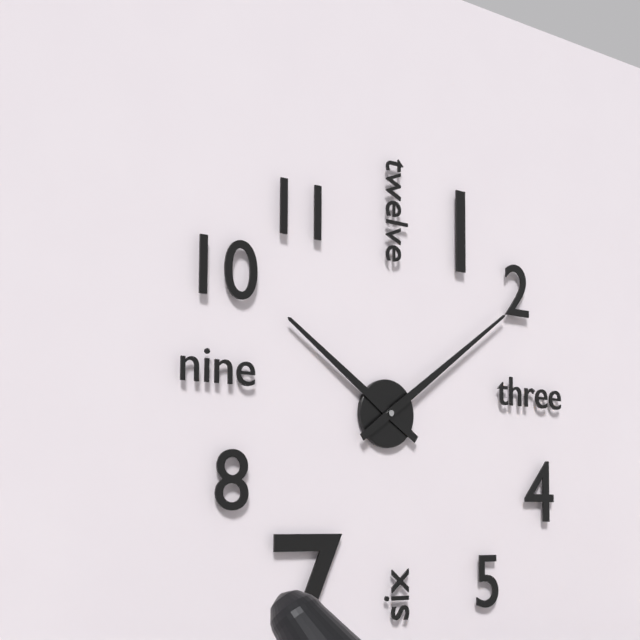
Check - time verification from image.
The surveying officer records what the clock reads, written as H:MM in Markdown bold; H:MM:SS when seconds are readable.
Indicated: **10:09**
